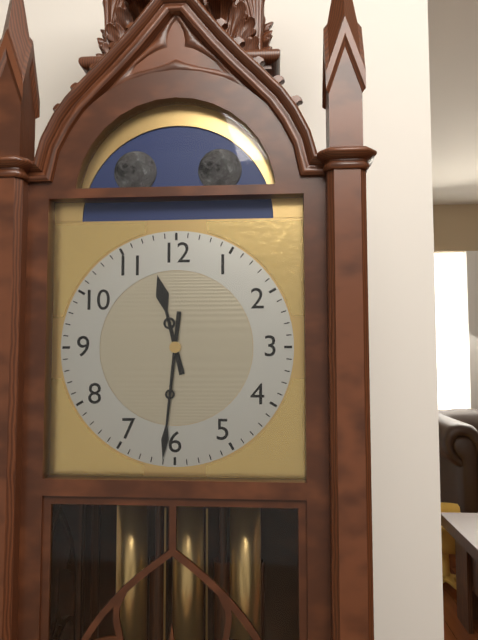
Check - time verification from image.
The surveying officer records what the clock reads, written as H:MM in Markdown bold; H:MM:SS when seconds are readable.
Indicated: **11:31**
